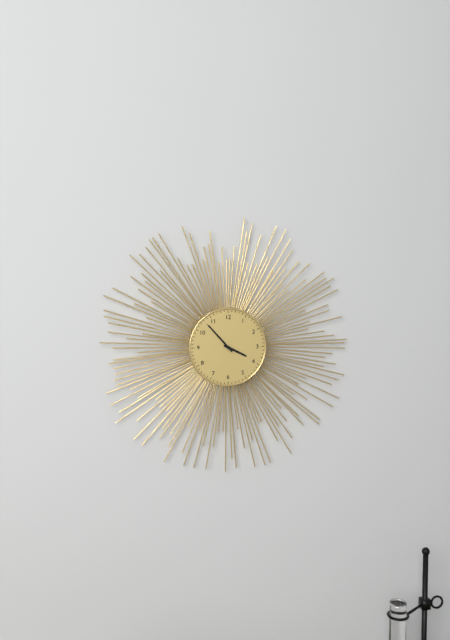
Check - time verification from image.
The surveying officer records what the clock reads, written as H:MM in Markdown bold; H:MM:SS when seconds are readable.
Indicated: **3:53**
